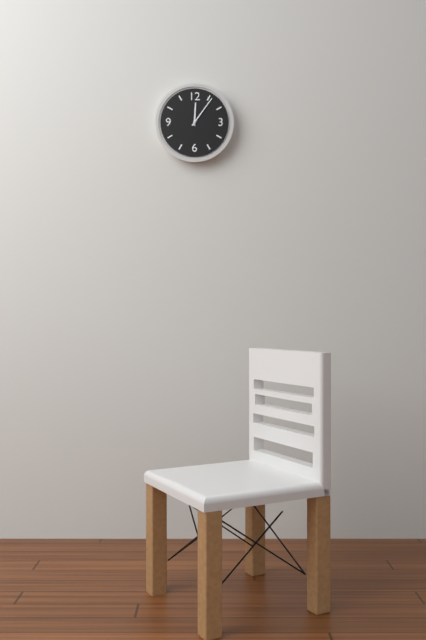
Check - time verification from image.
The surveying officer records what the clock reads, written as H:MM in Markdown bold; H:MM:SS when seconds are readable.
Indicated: **12:06**
